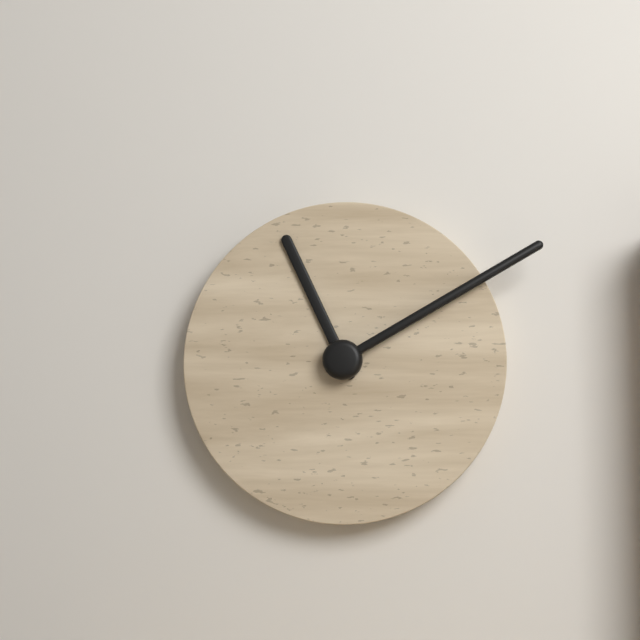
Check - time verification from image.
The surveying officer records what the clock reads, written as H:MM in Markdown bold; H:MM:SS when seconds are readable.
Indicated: **11:10**
